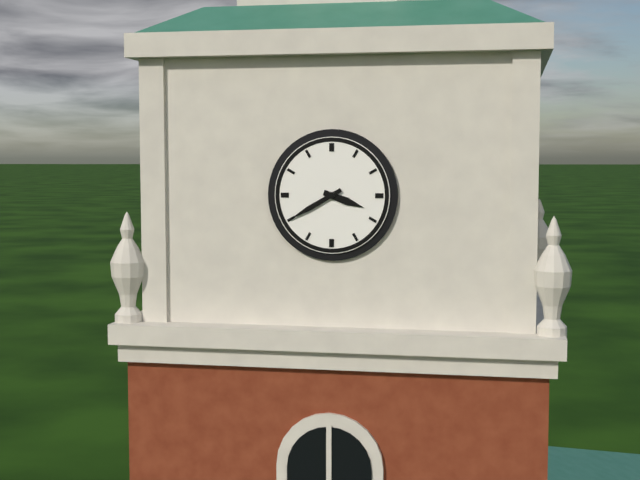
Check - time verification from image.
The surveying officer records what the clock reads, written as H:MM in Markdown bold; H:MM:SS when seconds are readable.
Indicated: **3:40**
